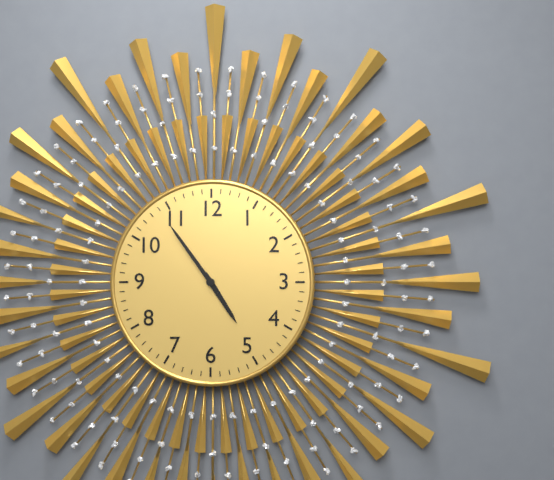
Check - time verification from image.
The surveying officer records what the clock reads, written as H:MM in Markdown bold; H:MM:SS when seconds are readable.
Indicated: **4:54**
